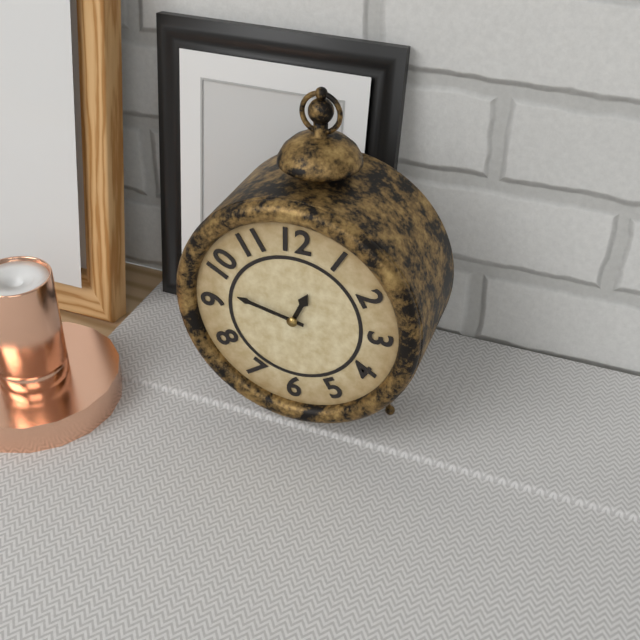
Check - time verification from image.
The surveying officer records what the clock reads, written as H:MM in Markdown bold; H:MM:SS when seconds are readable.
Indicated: **12:47**
